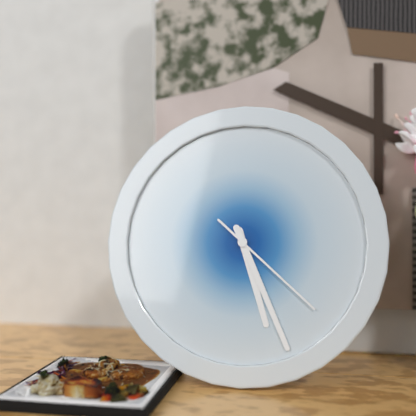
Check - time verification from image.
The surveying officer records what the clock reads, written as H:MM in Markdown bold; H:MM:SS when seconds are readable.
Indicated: **5:26:22**
